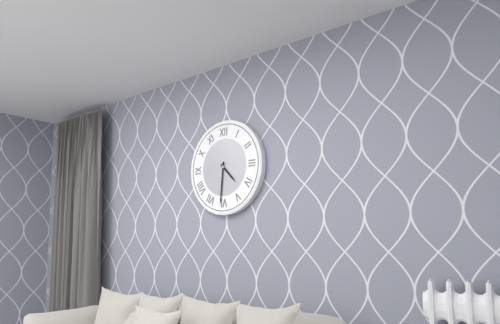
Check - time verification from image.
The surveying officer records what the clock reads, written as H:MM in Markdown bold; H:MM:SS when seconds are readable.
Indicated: **4:31**
